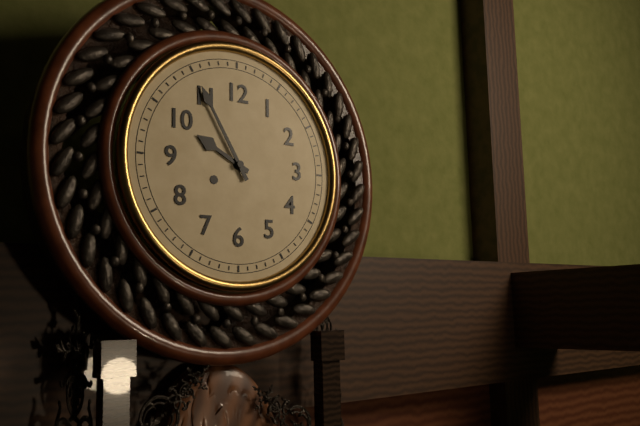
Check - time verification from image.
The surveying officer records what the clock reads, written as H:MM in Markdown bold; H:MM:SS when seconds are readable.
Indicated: **9:55**
